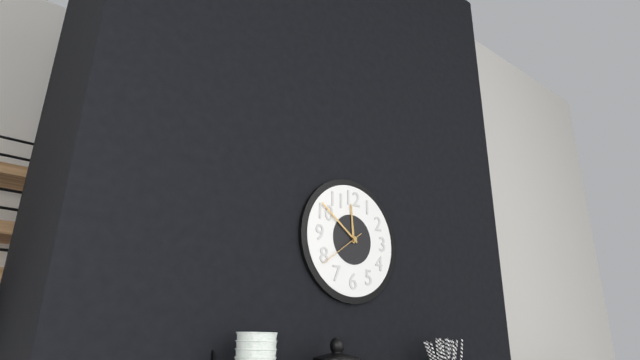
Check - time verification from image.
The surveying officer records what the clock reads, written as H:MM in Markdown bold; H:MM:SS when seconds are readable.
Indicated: **11:51**
